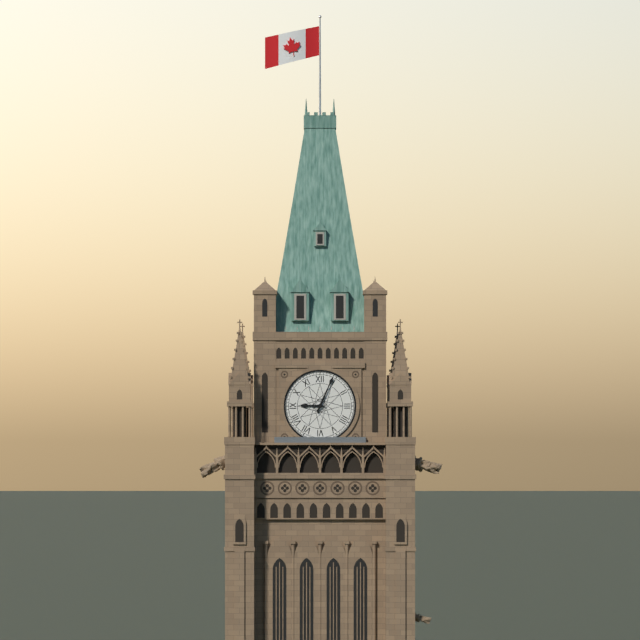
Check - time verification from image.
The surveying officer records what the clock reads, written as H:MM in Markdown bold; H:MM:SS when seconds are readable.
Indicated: **9:04**
